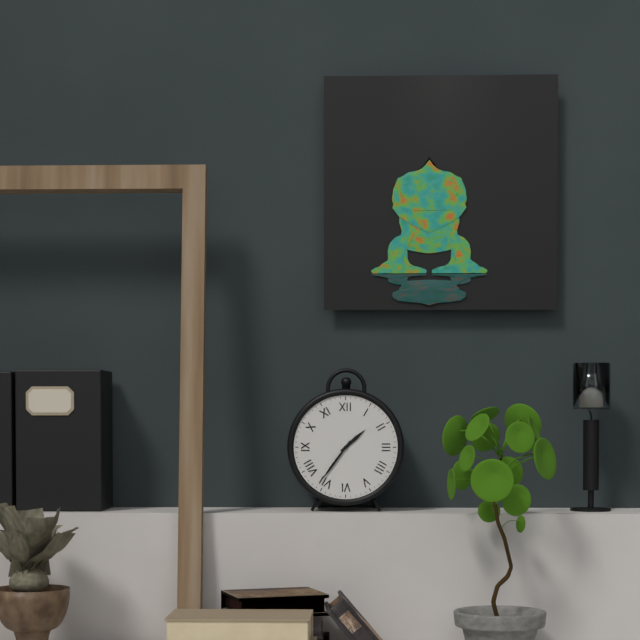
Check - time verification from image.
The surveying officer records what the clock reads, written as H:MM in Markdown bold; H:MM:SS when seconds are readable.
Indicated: **1:36**
